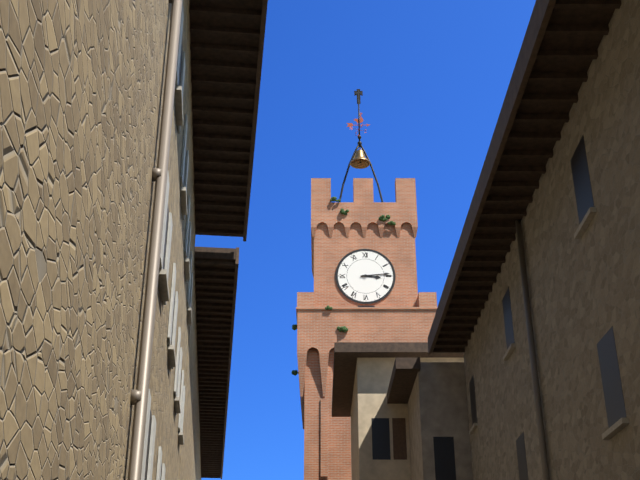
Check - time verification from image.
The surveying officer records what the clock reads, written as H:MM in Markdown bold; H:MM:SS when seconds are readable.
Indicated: **3:14**
